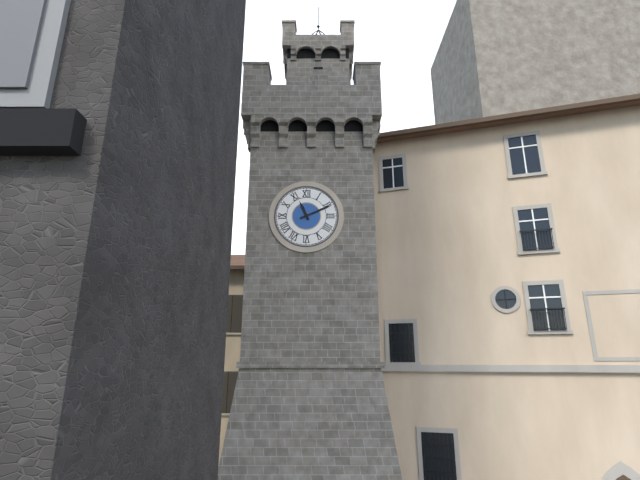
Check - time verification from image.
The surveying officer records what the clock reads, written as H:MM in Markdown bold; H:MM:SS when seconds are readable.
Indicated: **11:11**
